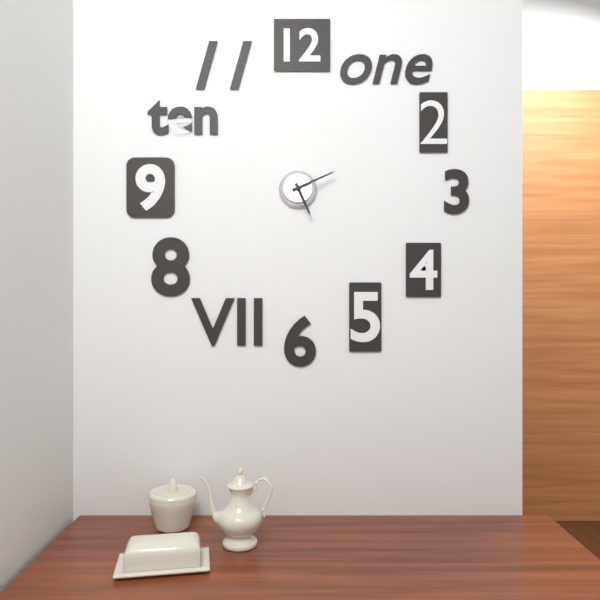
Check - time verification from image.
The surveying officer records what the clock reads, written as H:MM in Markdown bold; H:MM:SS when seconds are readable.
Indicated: **5:11**
